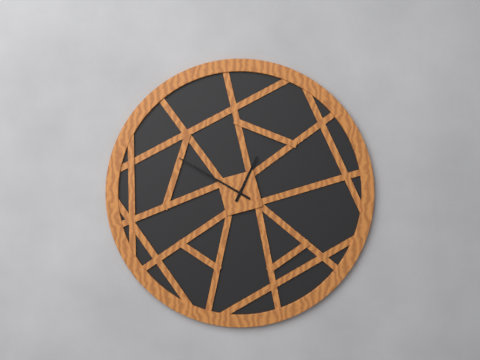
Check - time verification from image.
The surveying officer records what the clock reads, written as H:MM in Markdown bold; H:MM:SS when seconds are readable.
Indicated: **12:50**
